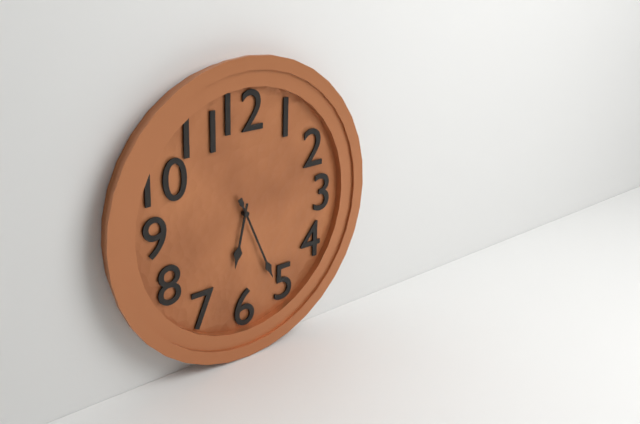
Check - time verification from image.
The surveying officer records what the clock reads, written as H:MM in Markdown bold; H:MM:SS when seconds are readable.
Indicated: **6:26**
